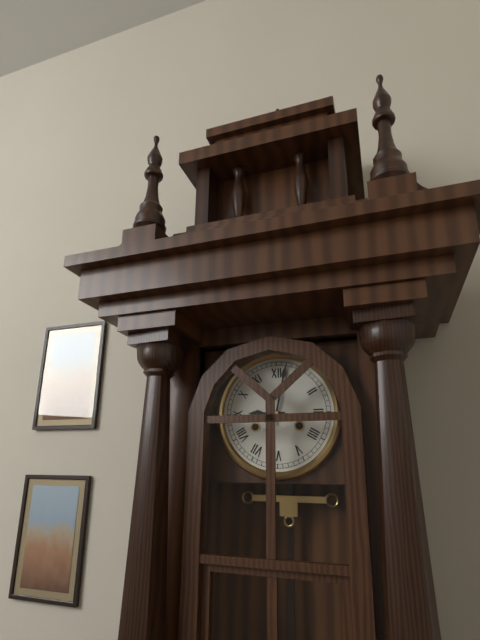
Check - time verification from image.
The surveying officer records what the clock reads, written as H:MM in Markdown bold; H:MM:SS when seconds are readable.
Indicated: **9:02**
